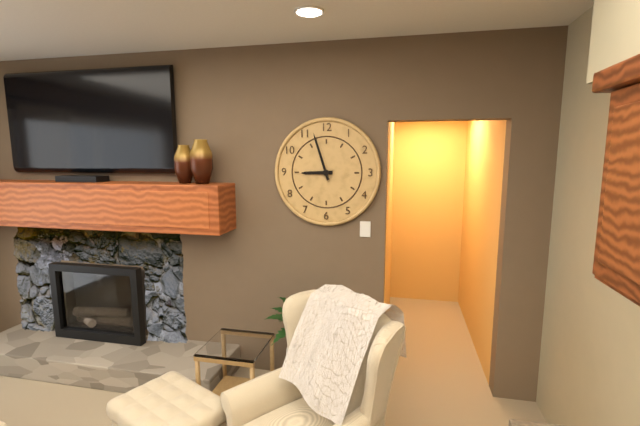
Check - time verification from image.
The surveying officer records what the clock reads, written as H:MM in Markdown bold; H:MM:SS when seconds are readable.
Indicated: **8:57**
